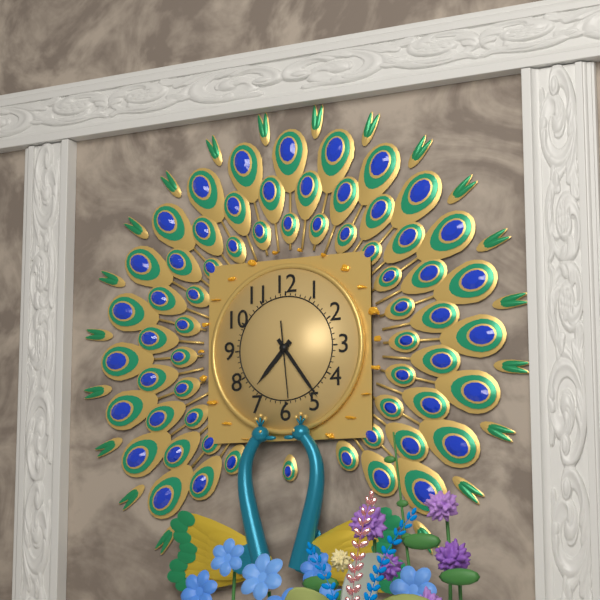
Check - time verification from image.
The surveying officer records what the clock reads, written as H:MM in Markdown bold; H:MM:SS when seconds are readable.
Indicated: **7:24:29**
